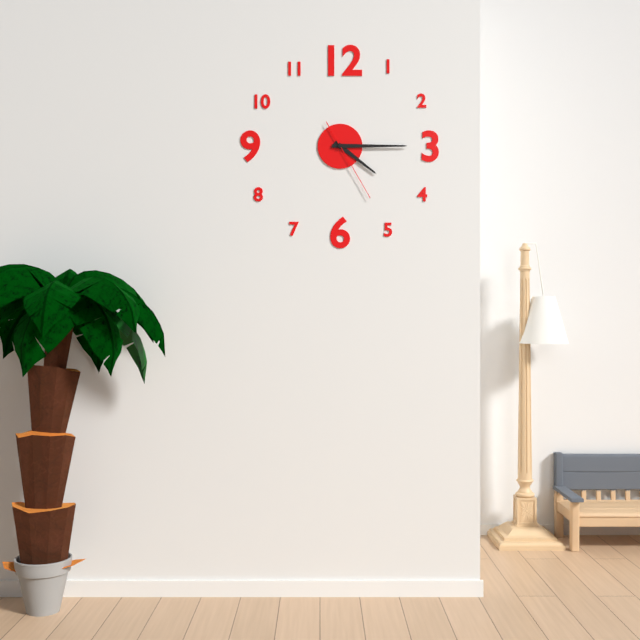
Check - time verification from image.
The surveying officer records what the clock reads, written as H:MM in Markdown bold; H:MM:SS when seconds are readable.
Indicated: **4:15:25**
